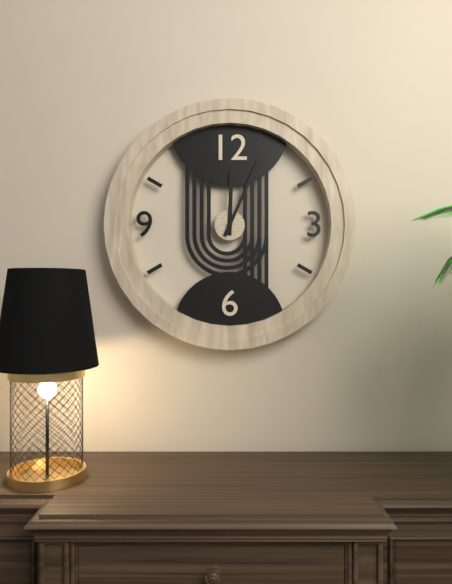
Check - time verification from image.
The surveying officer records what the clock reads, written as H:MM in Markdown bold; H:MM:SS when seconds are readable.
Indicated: **12:04**
